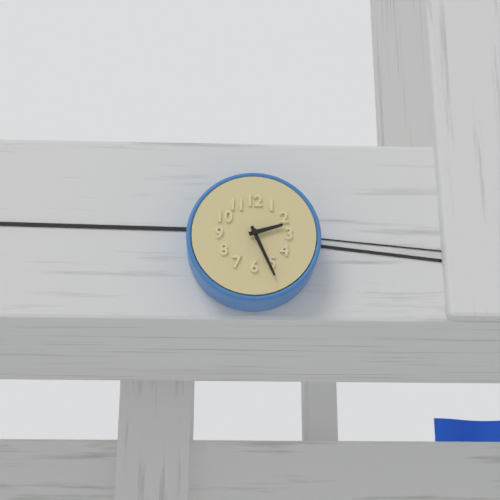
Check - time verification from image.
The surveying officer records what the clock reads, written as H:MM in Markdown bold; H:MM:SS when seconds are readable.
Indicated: **2:26**
